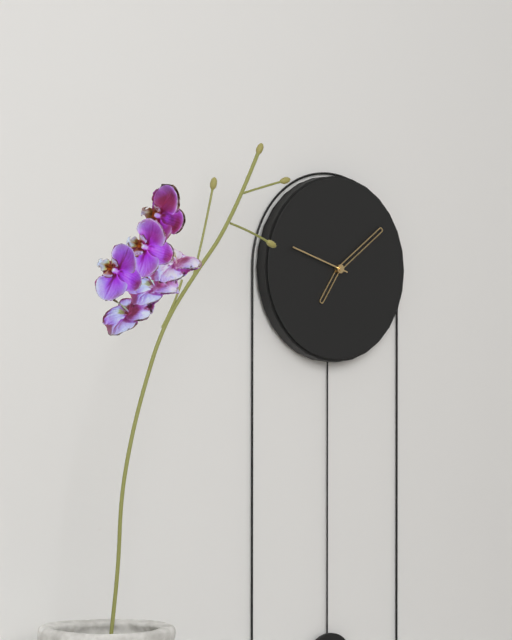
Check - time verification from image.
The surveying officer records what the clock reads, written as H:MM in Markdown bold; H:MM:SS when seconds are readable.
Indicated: **7:09:48**
